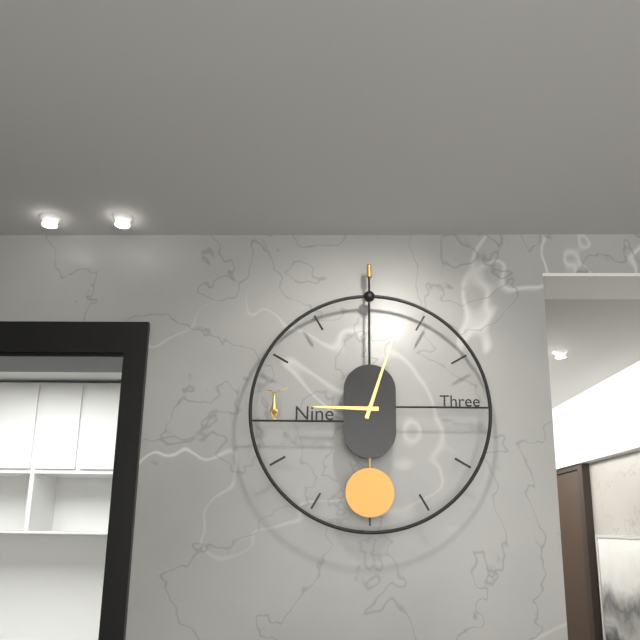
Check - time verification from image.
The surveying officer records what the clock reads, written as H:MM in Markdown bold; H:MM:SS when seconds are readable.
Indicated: **9:03**
